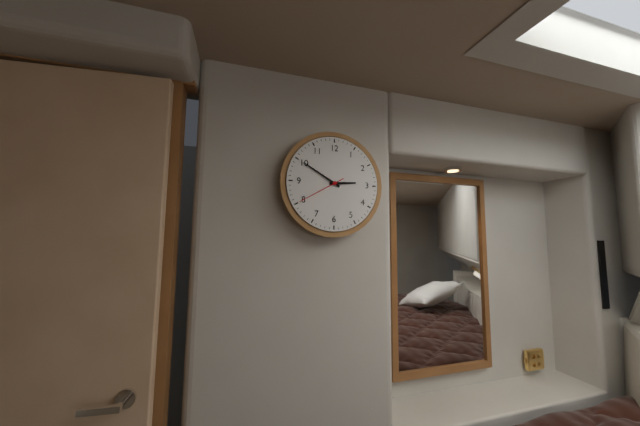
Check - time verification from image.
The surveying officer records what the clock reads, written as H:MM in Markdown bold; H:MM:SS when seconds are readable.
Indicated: **2:50**
